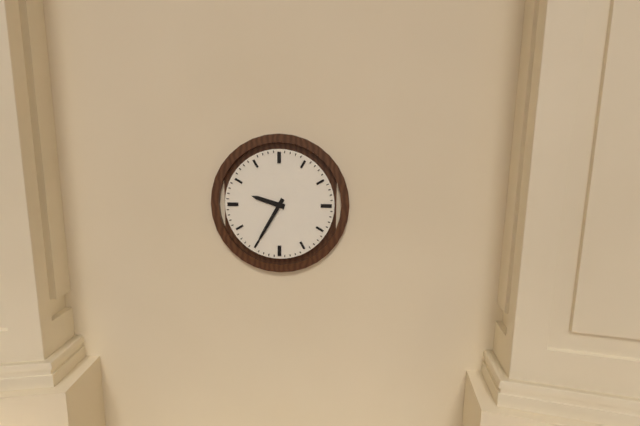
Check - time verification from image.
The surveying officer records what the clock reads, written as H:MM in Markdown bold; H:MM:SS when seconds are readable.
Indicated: **9:35**
